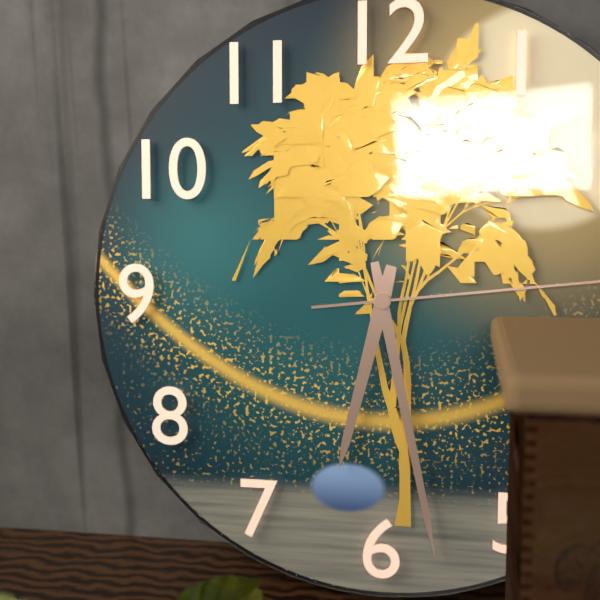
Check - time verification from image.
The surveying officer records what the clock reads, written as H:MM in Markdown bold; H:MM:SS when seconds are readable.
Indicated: **6:28**
